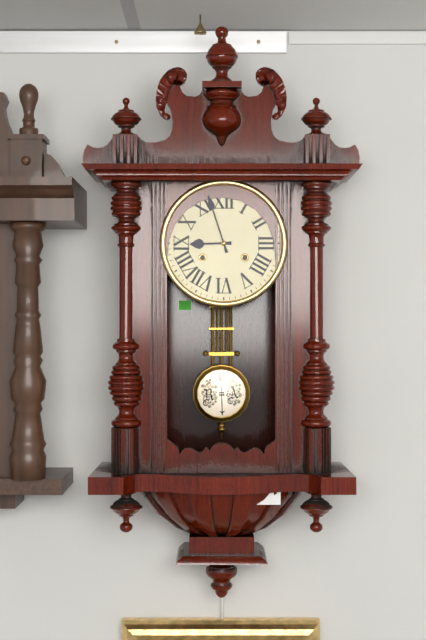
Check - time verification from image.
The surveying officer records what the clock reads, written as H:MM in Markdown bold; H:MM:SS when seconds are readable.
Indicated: **8:57**
